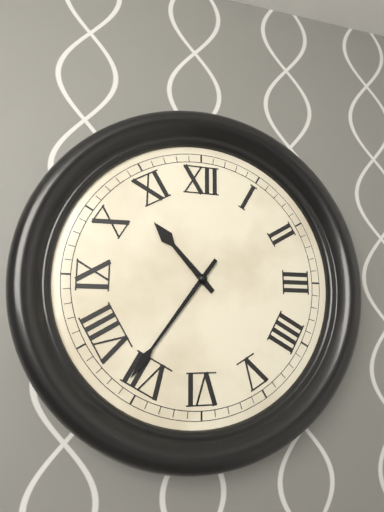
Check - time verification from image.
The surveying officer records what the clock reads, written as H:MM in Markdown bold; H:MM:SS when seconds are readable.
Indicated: **10:36**
